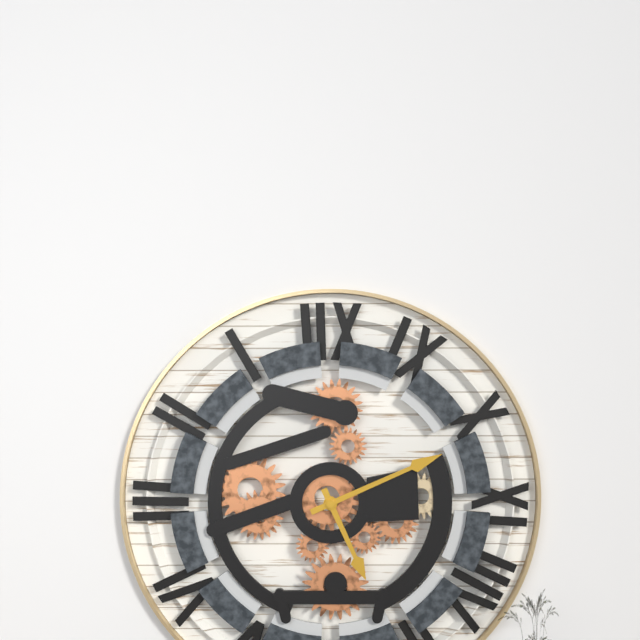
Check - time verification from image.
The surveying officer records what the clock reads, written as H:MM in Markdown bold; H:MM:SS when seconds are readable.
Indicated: **5:11**
